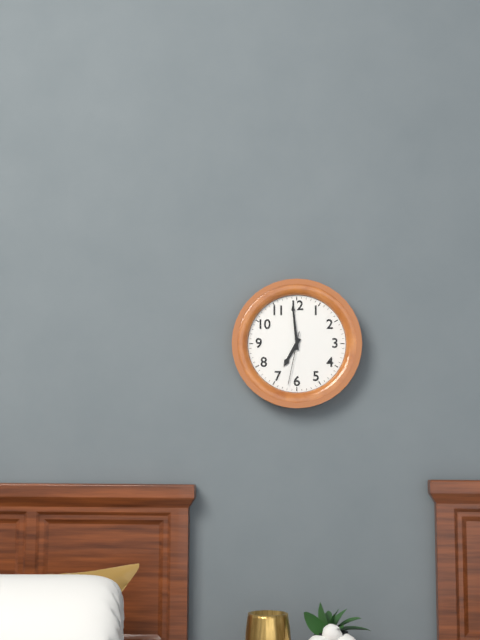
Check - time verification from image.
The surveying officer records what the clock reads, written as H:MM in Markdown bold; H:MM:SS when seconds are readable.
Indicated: **6:59:32**
